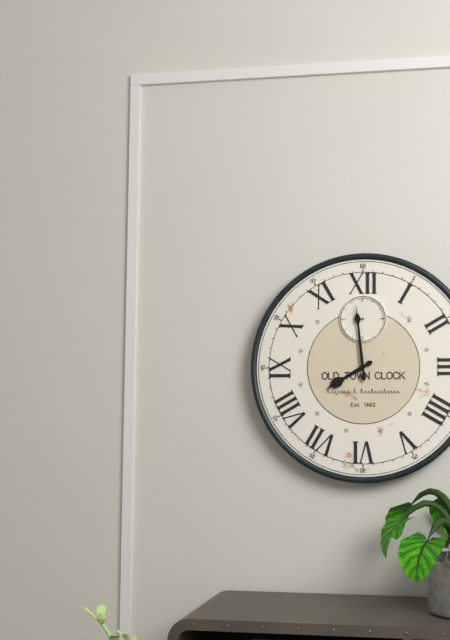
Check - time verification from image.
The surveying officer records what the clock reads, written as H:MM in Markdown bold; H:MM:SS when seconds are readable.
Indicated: **7:59**
